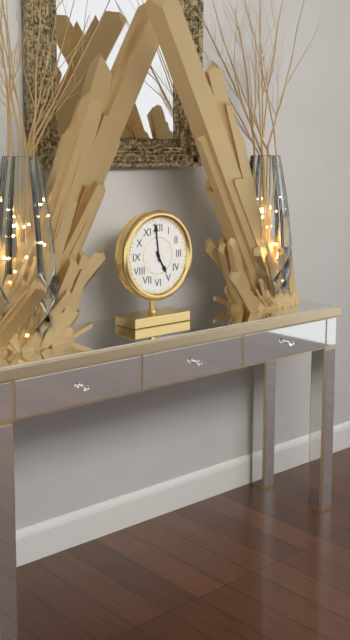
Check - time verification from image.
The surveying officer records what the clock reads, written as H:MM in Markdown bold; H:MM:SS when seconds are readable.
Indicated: **4:59**
